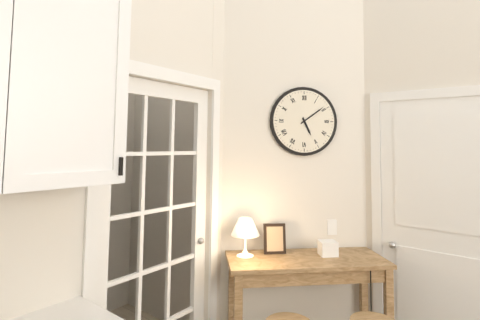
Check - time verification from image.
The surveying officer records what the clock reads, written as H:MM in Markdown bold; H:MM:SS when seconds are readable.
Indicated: **5:09**
